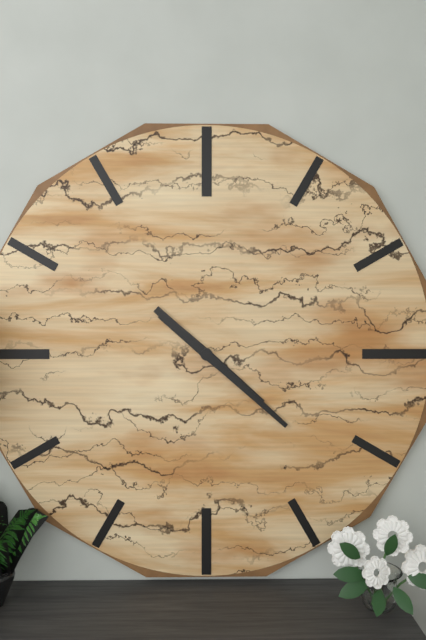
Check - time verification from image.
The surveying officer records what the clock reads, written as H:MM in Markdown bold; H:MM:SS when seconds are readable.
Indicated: **4:22**
